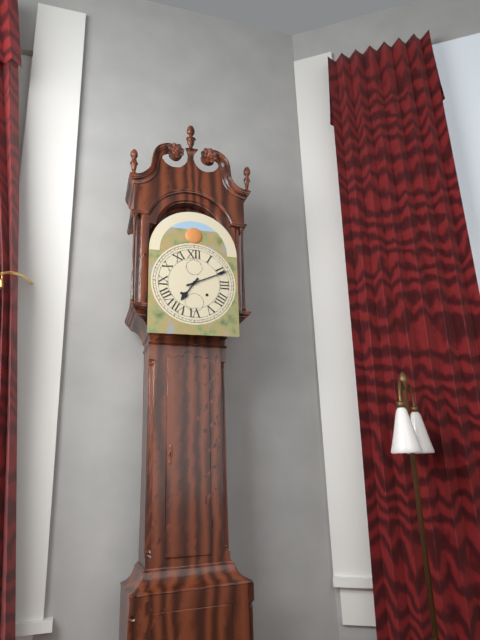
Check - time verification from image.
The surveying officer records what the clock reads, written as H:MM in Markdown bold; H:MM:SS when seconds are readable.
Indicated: **7:11**
